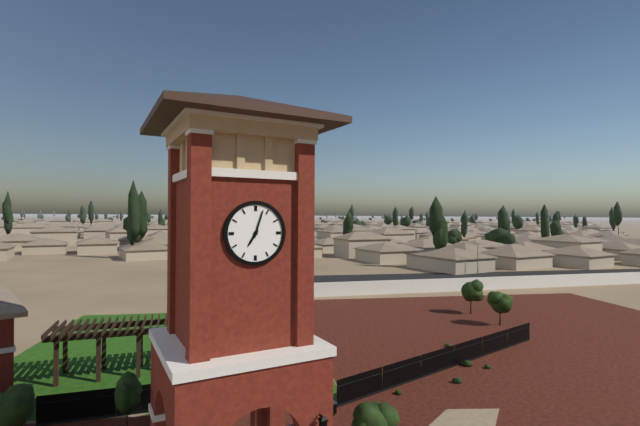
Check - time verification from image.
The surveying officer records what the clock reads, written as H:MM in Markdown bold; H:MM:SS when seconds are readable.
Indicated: **7:03**
